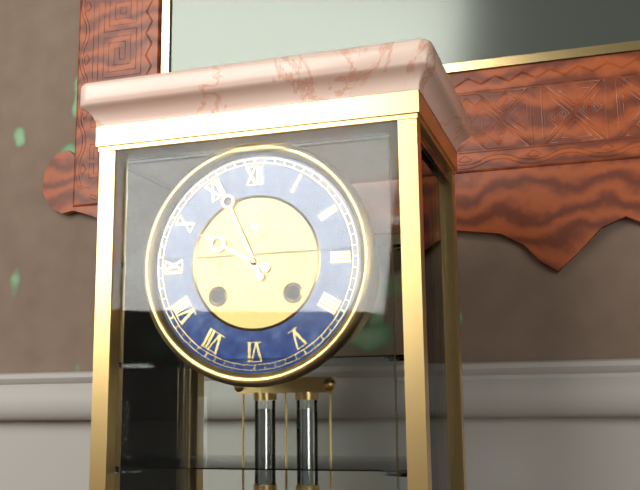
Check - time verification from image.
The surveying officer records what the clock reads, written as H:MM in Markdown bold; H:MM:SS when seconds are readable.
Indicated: **9:56**
